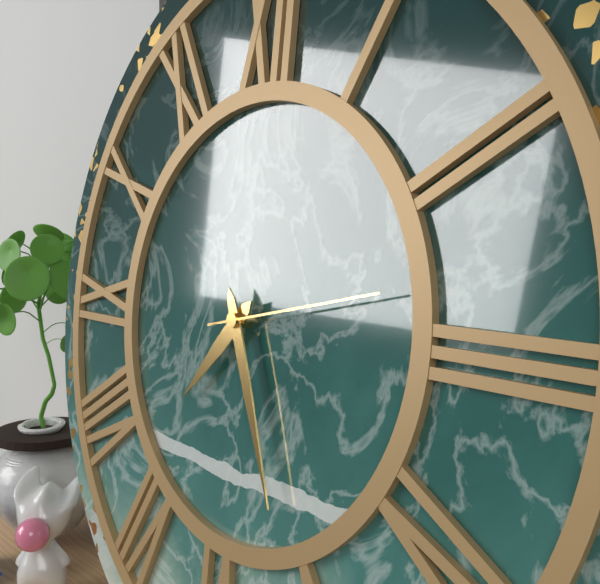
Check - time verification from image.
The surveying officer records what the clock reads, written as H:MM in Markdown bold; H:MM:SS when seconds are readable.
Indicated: **7:26:13**
